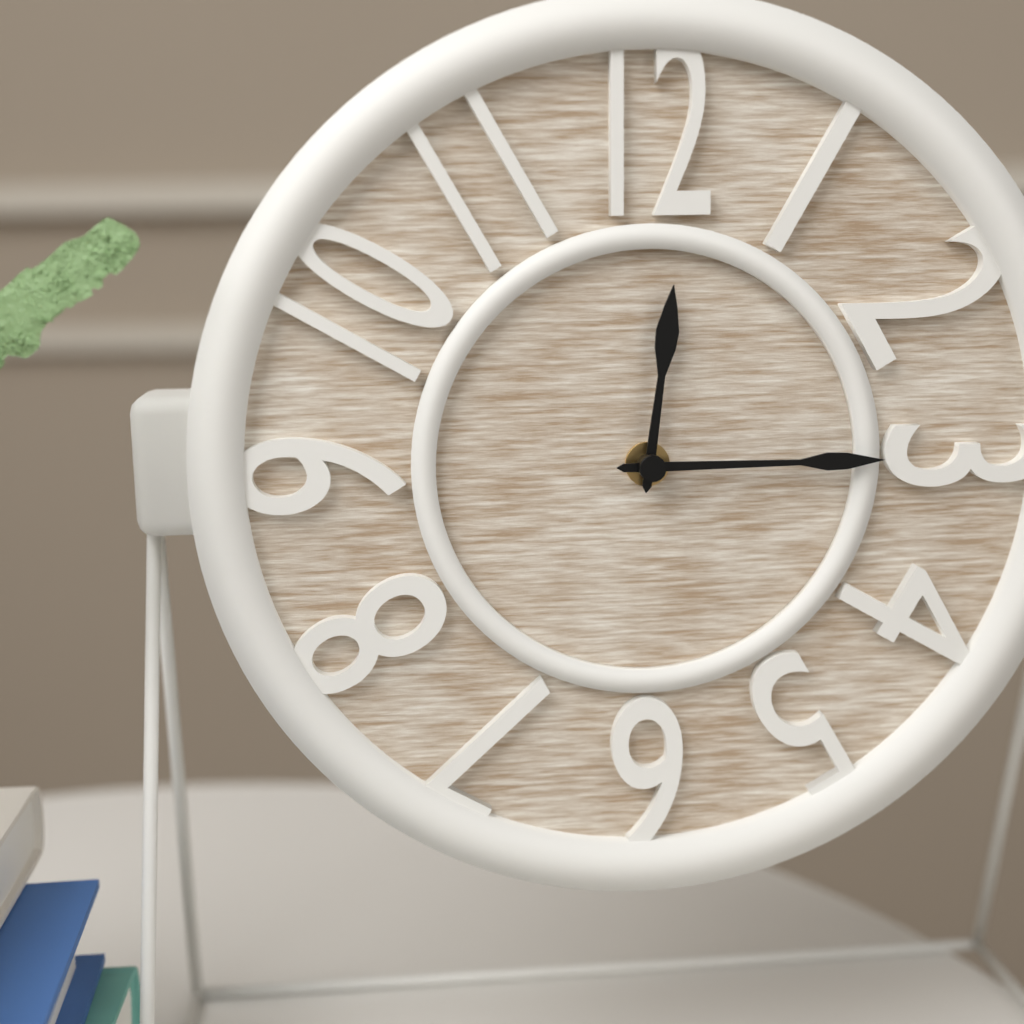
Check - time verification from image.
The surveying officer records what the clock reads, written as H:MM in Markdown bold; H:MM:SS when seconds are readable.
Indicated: **12:15**
